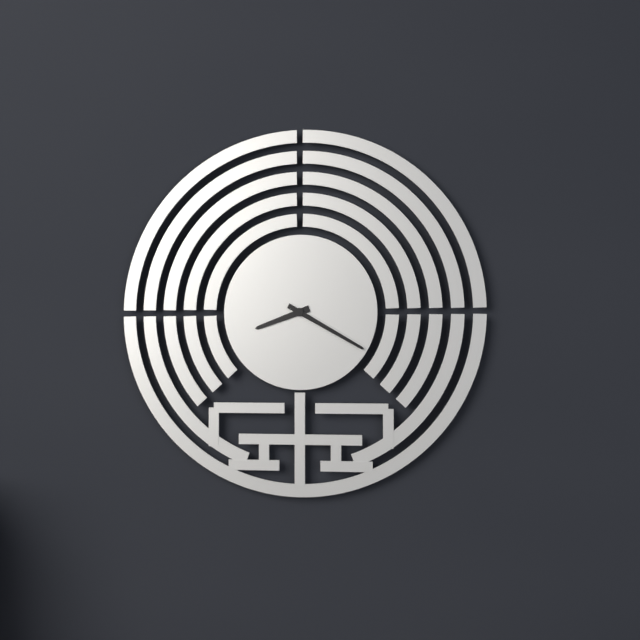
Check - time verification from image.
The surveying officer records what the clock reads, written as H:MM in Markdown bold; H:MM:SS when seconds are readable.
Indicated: **8:20**
